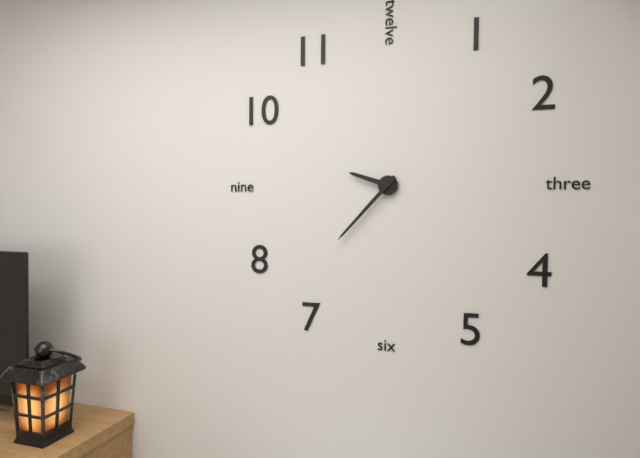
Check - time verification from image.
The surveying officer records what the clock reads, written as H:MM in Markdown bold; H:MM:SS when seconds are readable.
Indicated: **9:37**
